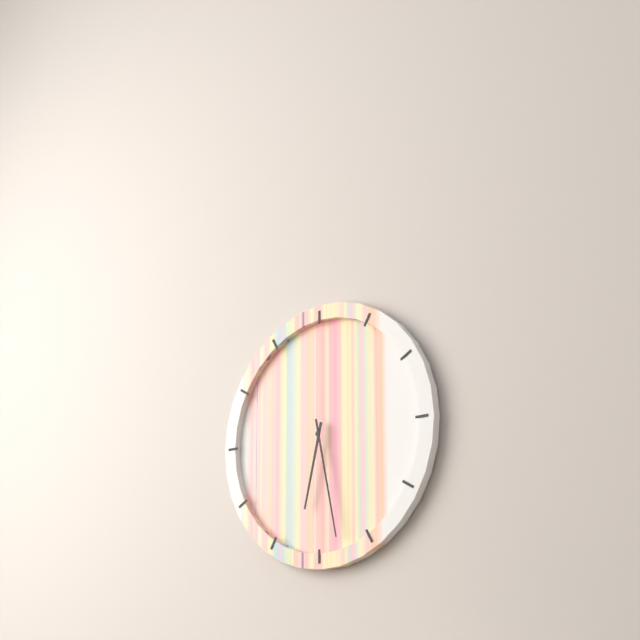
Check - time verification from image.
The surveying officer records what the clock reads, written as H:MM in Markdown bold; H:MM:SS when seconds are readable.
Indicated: **6:28**
